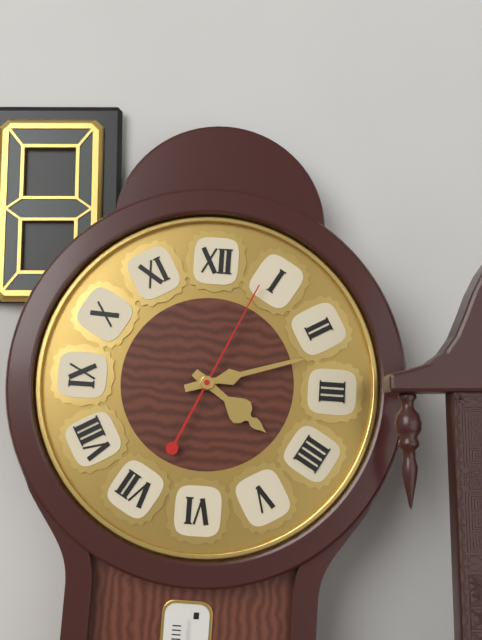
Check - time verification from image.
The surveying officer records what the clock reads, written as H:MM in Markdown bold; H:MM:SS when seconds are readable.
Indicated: **4:12:04**
